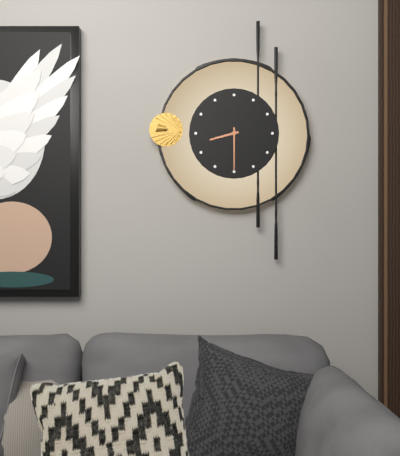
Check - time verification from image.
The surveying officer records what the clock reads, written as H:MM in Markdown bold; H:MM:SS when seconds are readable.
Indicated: **8:30**
